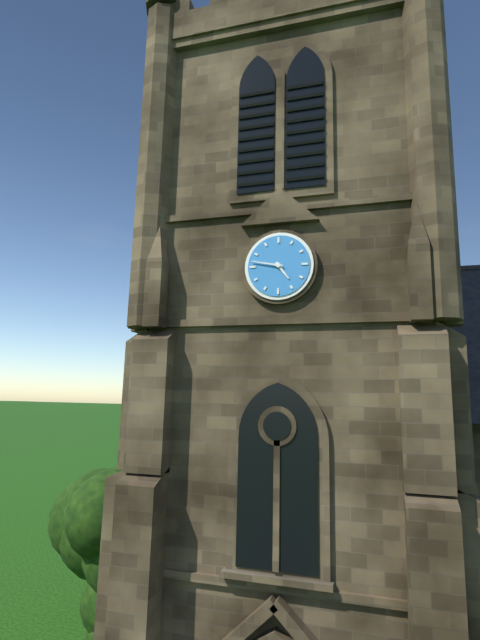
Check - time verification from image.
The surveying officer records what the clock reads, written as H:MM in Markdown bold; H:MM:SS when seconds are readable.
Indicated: **4:47**
